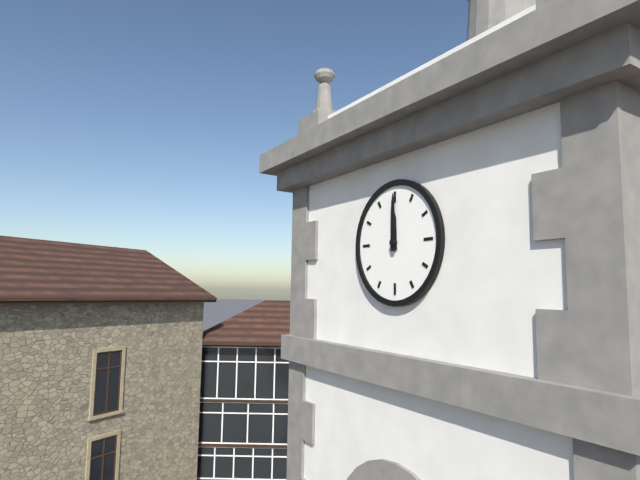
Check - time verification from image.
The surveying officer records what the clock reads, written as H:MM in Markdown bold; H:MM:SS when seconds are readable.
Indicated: **12:00**
